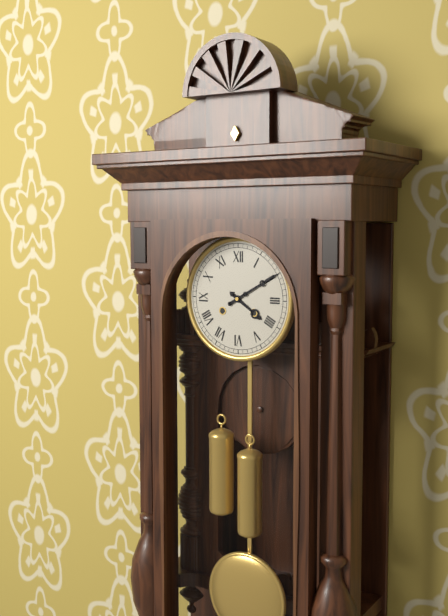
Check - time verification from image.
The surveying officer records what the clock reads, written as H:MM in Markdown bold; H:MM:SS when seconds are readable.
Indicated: **4:10**
